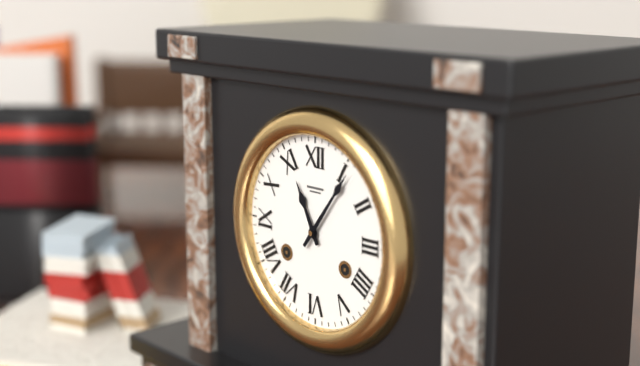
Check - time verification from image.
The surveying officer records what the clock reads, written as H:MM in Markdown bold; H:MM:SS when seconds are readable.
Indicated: **11:06**
